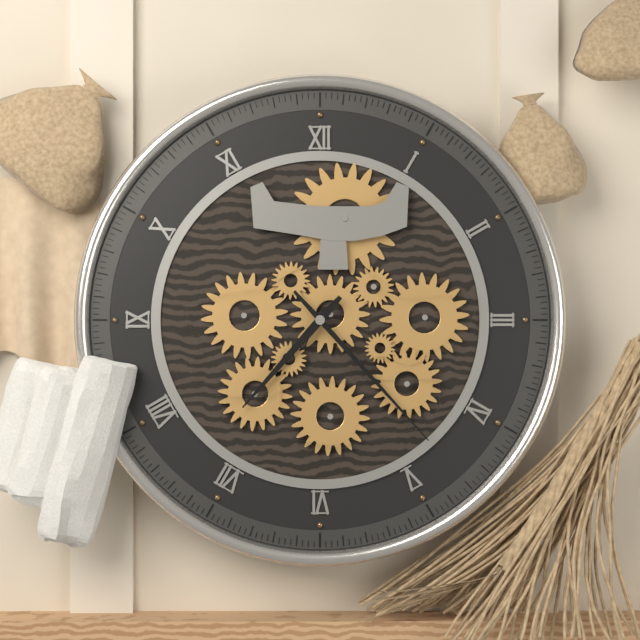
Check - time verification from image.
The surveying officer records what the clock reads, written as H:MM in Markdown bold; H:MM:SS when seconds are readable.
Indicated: **7:23**
